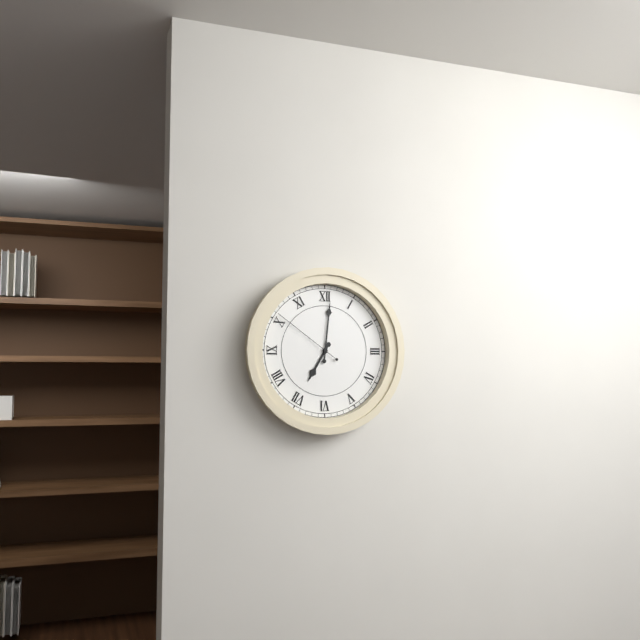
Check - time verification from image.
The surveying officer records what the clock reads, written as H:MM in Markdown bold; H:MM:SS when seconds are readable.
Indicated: **7:01:51**
